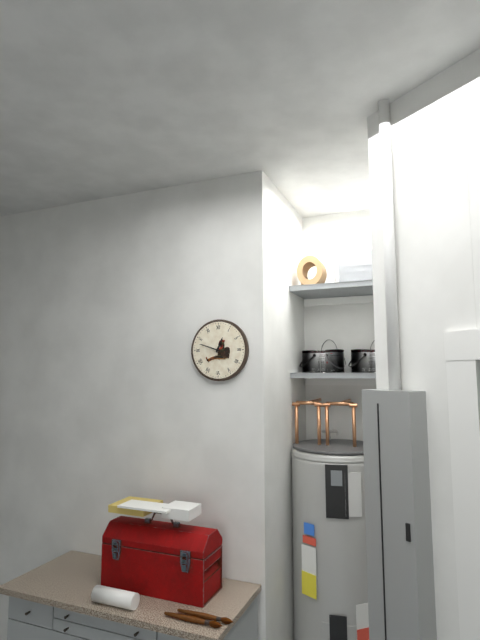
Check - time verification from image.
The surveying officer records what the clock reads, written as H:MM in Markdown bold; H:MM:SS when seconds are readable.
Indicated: **12:48**
